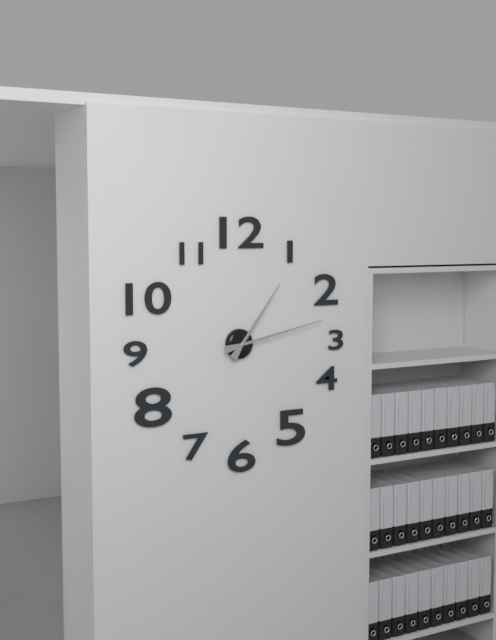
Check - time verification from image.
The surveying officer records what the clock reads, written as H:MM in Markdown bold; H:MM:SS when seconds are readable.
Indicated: **1:13**
